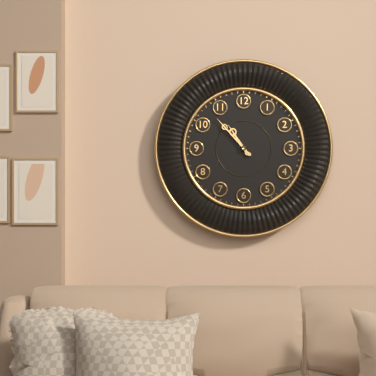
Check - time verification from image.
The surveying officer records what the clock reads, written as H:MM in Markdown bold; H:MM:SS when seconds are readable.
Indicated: **10:53**
